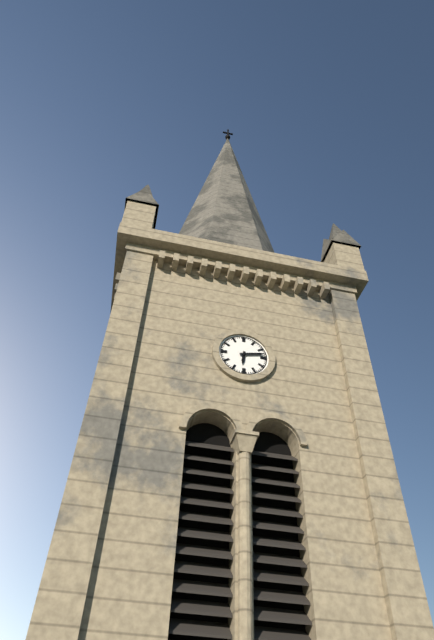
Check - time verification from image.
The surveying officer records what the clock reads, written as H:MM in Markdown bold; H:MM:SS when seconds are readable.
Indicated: **6:13**
